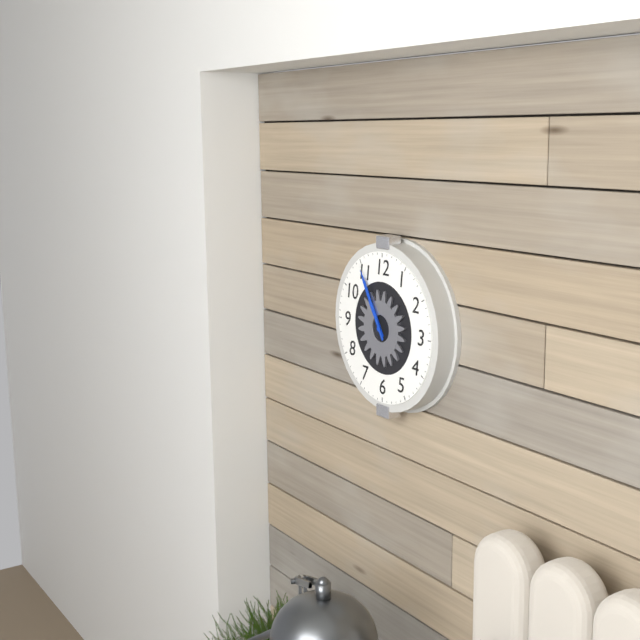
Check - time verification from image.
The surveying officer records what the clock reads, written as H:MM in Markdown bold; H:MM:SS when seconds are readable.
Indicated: **10:55**
